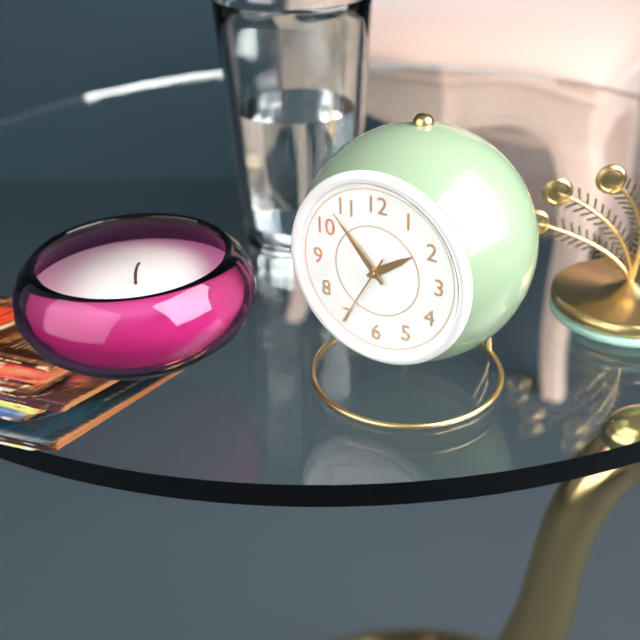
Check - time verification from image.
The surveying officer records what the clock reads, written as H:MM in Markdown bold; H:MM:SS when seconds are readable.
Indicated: **1:53:35**
